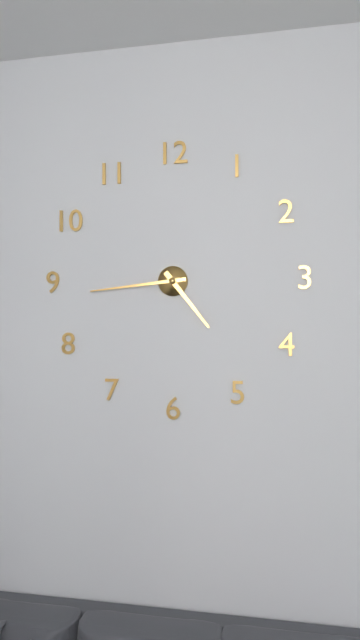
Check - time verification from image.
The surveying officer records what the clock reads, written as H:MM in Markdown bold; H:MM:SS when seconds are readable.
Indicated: **4:44**
